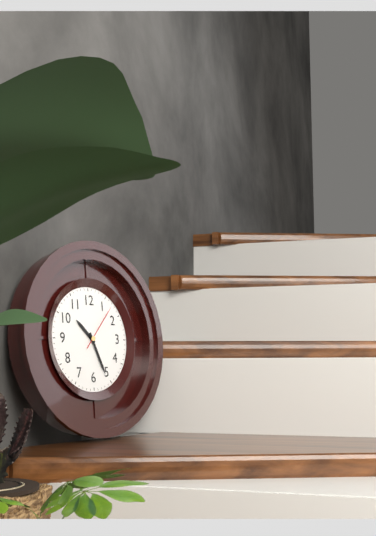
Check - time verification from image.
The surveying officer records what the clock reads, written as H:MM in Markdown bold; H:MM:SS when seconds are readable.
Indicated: **10:26**
